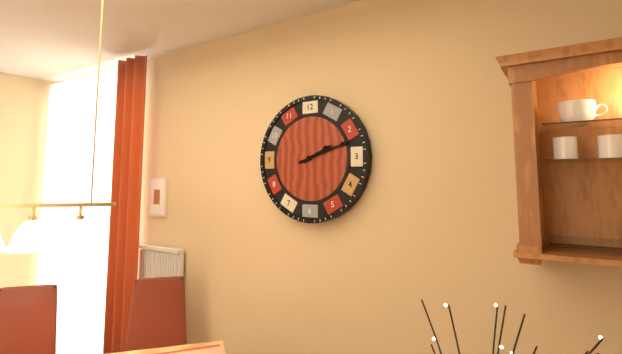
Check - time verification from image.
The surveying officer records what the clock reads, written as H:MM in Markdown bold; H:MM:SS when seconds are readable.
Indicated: **2:12**
